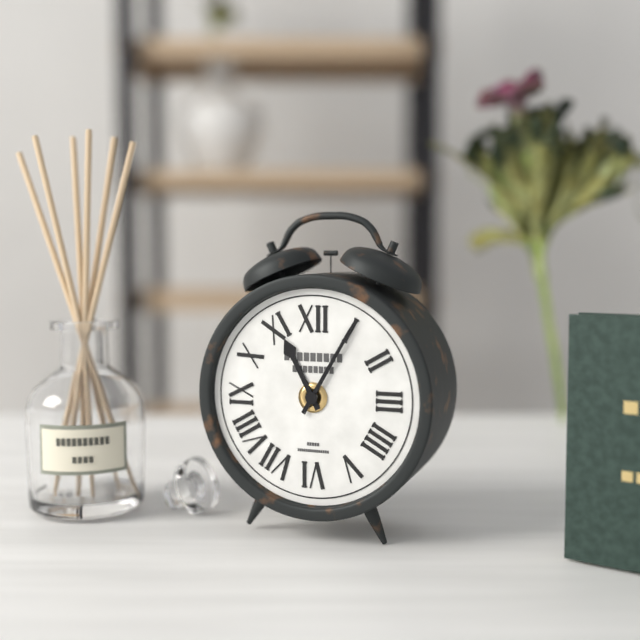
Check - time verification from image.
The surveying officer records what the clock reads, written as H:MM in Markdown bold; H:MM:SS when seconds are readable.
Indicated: **11:05**
